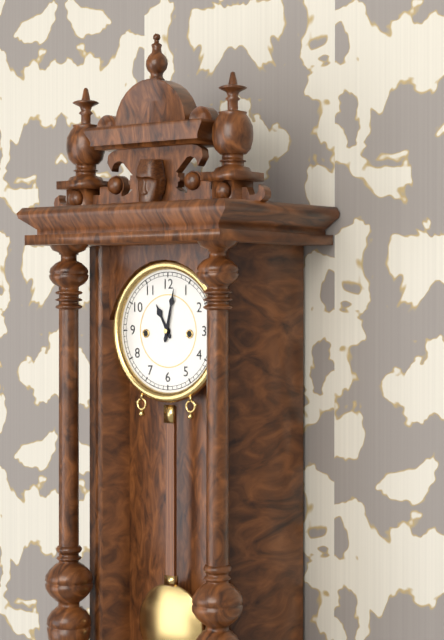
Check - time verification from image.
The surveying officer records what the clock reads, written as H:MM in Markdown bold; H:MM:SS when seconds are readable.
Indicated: **11:02**
